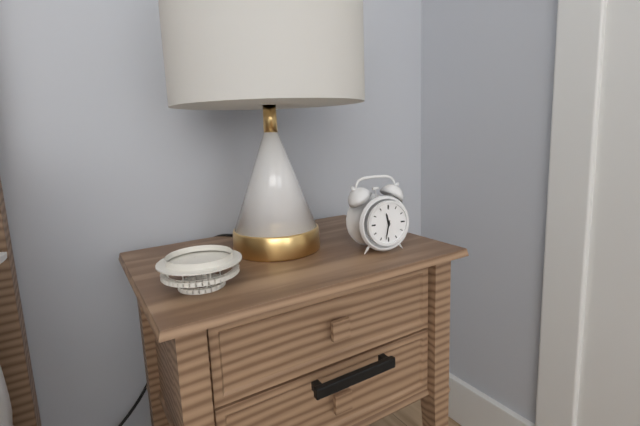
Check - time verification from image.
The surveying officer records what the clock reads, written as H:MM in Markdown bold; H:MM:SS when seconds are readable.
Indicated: **11:32**
